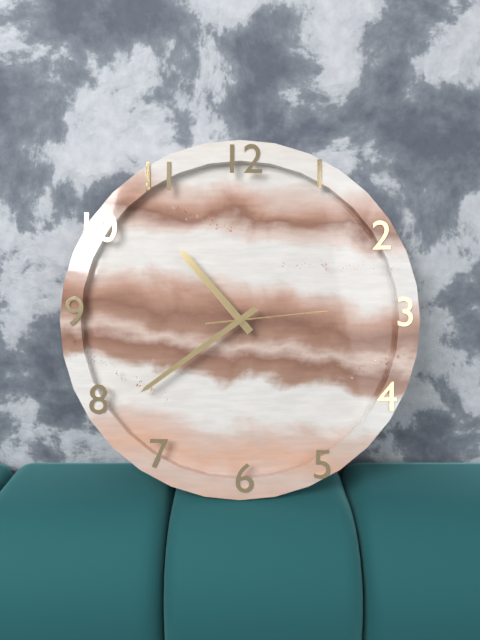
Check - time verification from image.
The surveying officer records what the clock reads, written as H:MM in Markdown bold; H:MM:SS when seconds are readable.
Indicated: **10:39:14**
